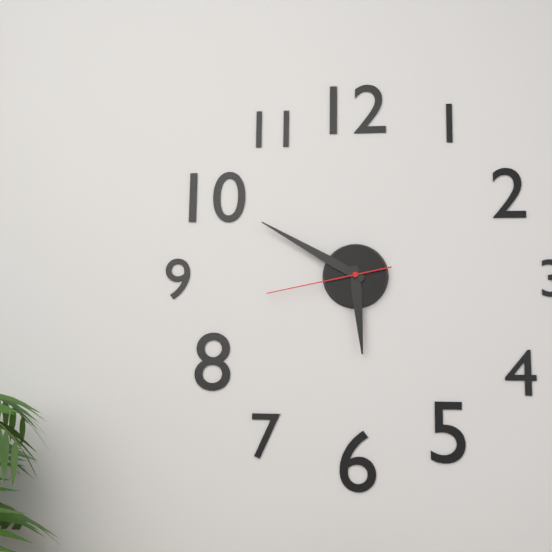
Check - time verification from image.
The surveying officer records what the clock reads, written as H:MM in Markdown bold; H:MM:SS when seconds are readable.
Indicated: **5:50:43**
